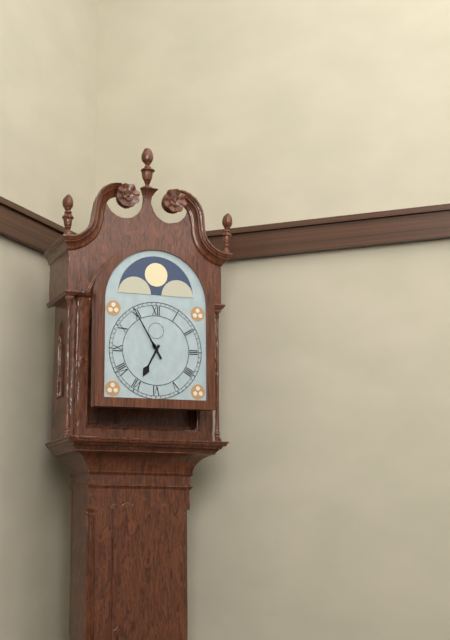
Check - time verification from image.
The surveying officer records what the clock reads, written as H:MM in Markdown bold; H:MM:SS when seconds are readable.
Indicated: **6:55**
